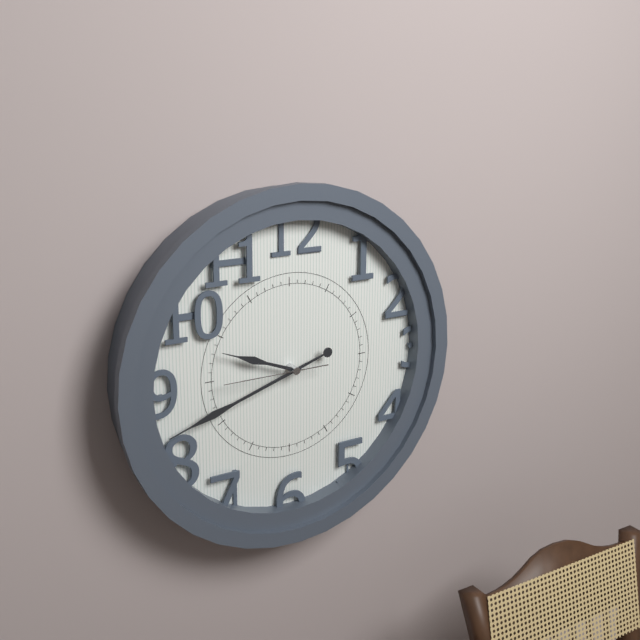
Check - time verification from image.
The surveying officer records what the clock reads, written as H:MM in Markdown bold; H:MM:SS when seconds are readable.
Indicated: **9:42:45**
